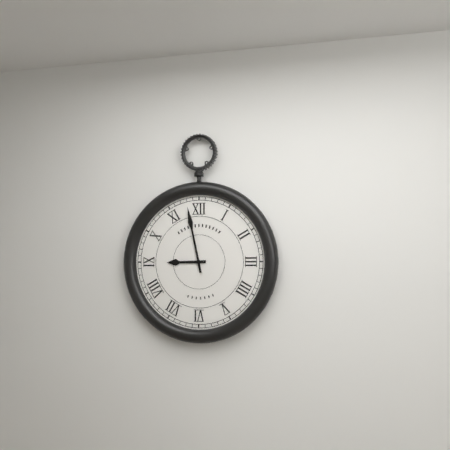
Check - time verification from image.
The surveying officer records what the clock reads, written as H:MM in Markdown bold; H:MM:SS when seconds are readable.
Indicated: **8:58**
